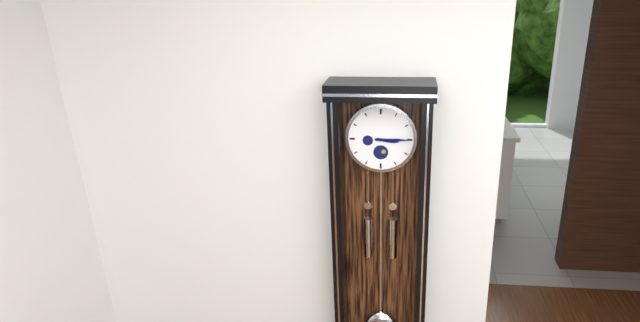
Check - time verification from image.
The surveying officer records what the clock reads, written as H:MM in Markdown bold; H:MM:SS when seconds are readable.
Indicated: **3:15**
